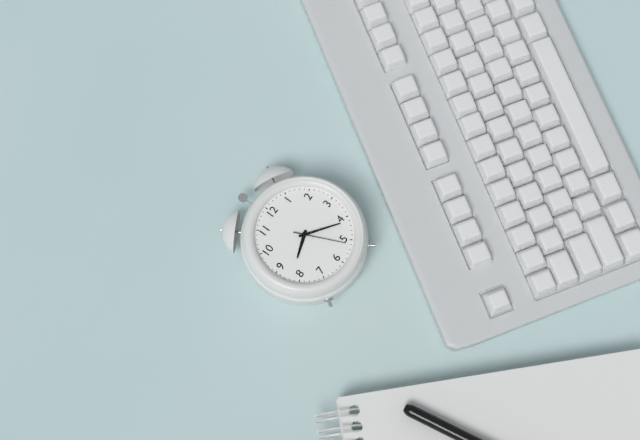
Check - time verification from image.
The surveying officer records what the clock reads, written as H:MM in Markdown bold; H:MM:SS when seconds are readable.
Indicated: **8:21:26**
